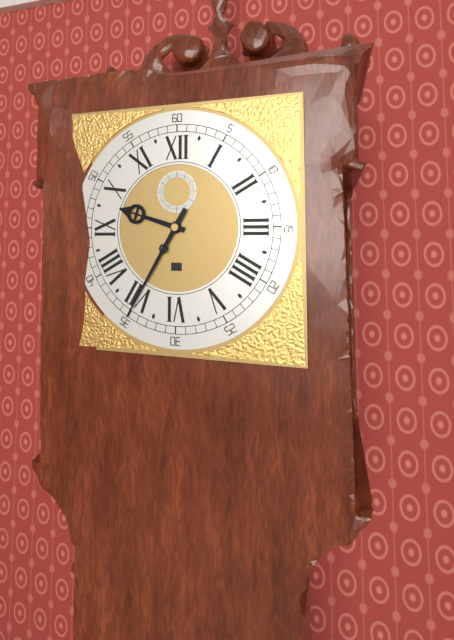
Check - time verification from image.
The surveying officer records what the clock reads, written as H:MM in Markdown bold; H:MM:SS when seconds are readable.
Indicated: **9:35**
